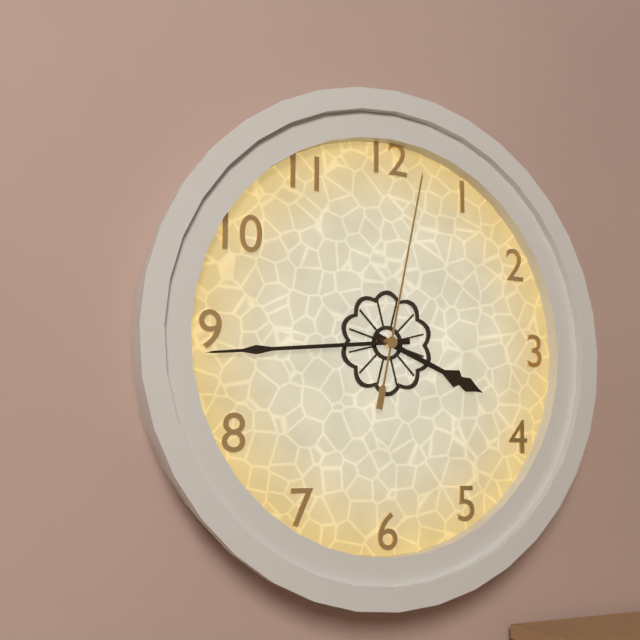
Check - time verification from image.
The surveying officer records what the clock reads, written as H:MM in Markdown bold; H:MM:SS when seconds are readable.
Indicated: **3:44:02**
